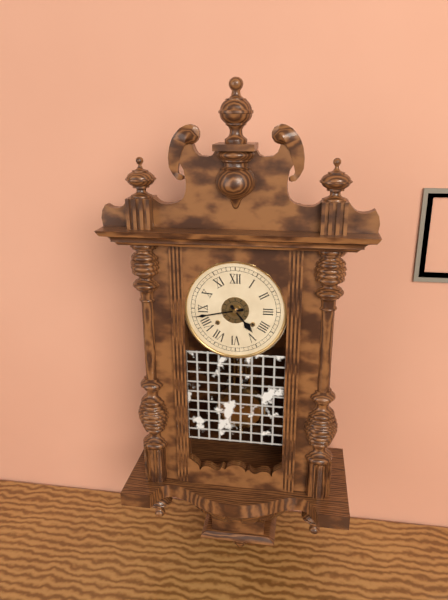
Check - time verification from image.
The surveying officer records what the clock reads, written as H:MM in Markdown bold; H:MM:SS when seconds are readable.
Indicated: **4:43**
